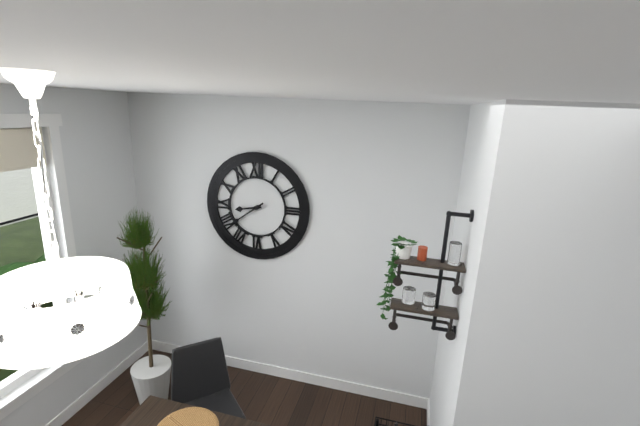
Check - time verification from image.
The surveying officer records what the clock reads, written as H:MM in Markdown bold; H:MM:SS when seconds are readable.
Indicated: **8:39**
